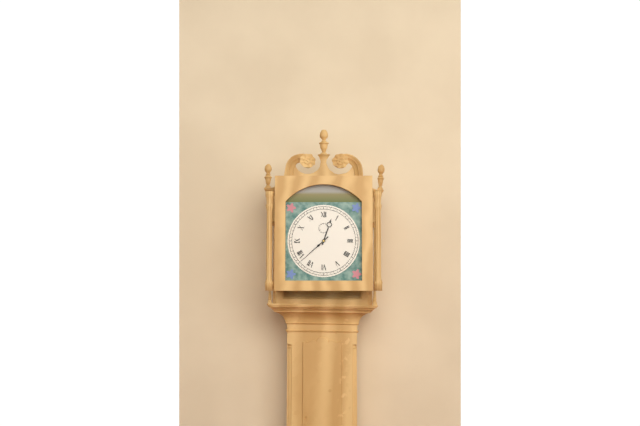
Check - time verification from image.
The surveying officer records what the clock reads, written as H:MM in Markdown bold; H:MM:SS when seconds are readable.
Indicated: **12:38**
